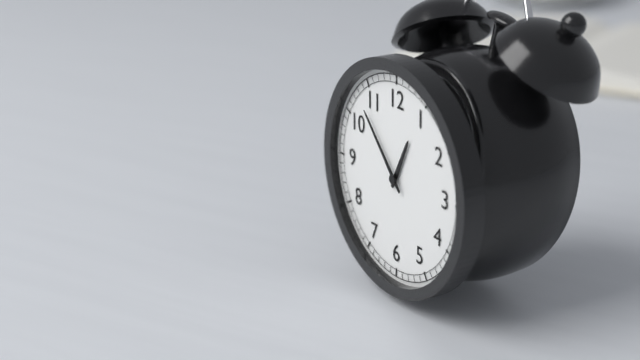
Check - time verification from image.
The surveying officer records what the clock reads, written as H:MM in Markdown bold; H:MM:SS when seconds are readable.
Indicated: **12:53**
